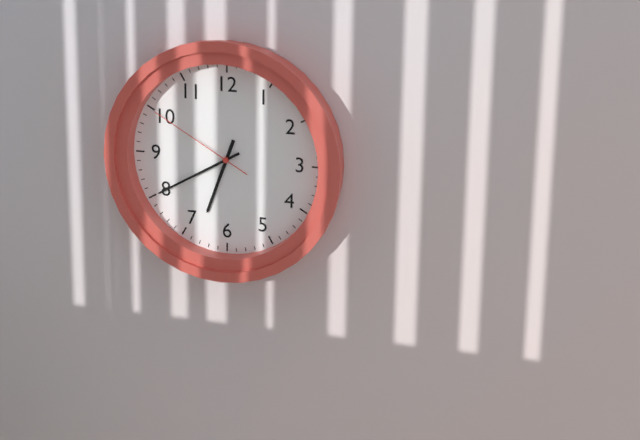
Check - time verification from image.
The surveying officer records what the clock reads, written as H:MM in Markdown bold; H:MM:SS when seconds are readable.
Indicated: **6:40:50**
